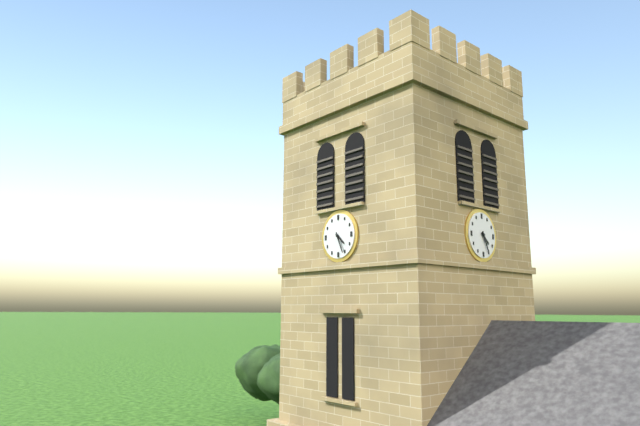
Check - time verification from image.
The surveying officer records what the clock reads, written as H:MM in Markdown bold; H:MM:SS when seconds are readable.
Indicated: **4:26**
